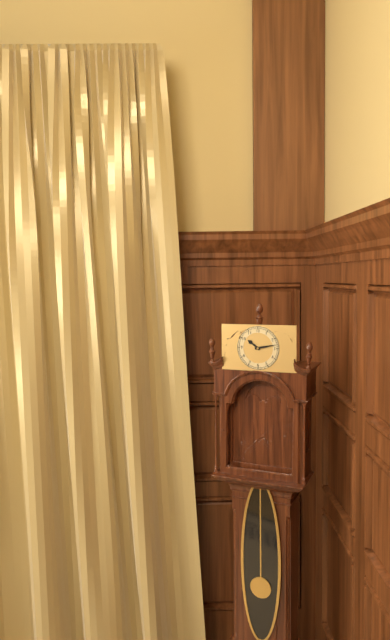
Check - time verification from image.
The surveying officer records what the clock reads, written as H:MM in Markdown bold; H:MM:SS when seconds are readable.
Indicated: **10:13**
